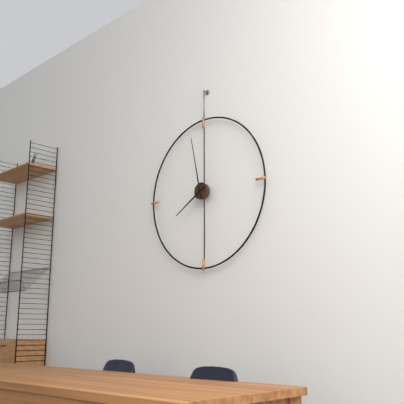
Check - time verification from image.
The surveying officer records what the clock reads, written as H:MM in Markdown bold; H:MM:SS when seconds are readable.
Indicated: **7:58**
